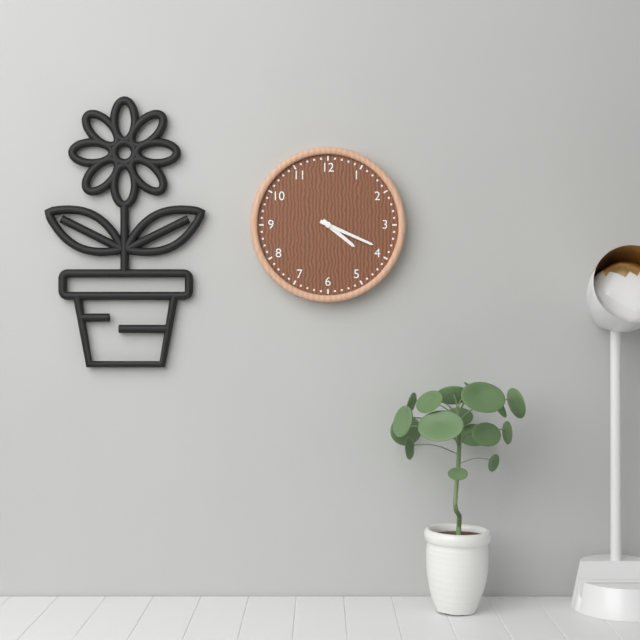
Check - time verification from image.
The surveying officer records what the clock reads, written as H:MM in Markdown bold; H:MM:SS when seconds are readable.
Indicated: **4:19**
